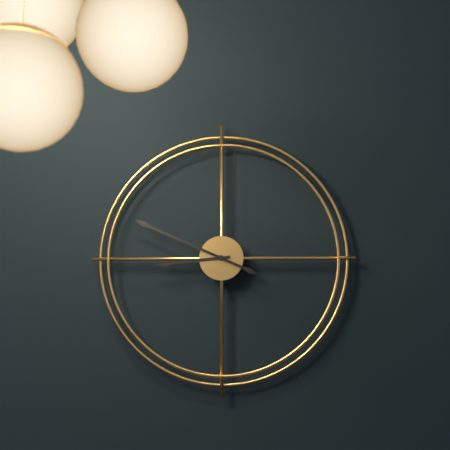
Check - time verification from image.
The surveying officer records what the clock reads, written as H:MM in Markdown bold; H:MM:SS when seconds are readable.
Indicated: **8:49**
